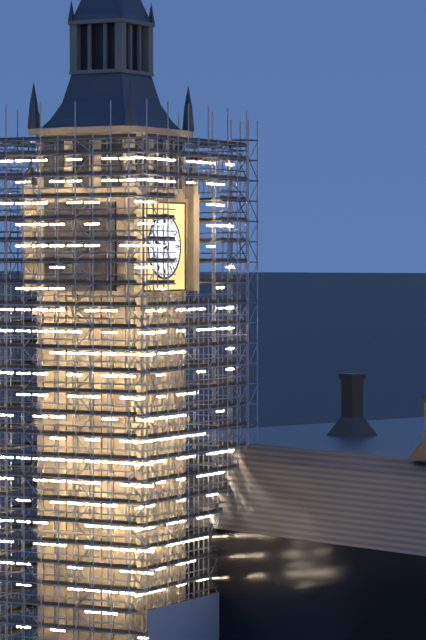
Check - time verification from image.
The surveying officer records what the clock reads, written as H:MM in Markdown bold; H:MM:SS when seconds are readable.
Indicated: **9:24**
